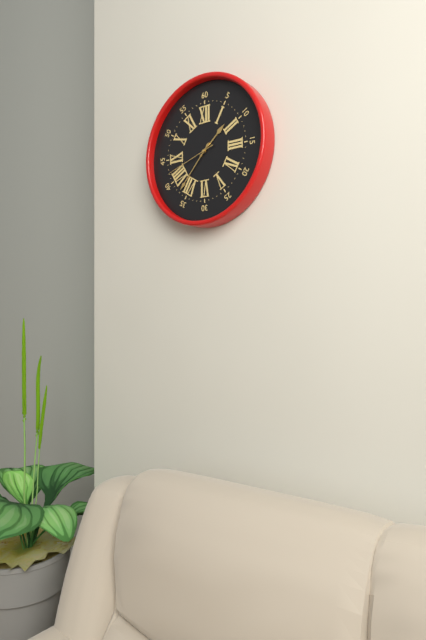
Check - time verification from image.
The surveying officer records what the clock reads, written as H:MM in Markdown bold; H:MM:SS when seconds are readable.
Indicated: **1:37:42**
